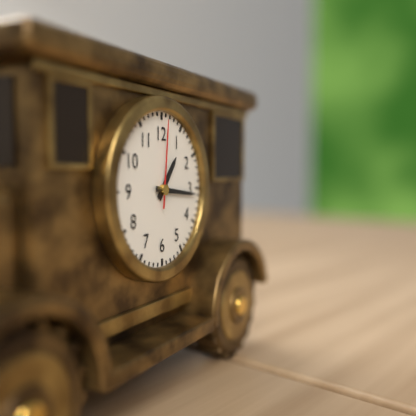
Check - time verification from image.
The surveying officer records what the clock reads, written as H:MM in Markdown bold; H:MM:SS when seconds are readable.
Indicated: **1:16:01**
